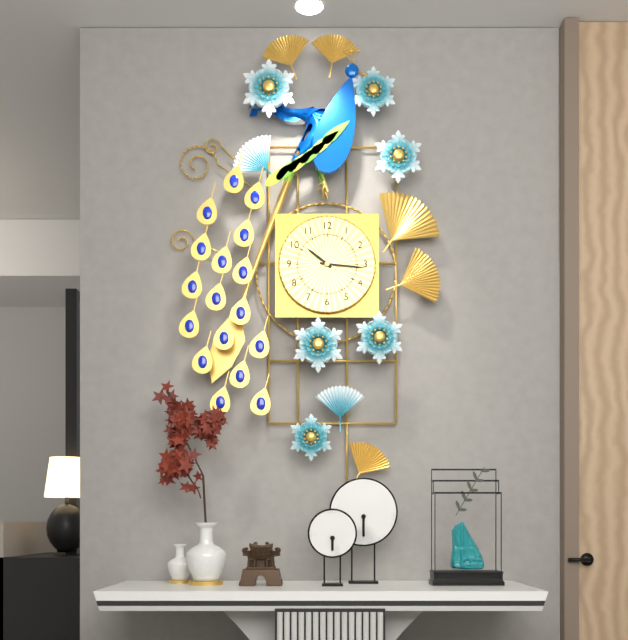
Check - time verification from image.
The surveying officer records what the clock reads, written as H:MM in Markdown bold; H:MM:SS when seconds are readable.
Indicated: **10:16**
